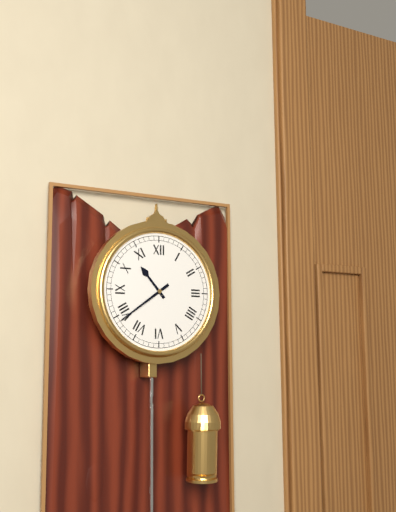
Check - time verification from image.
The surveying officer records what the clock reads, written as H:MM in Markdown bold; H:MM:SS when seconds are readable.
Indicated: **10:39**
